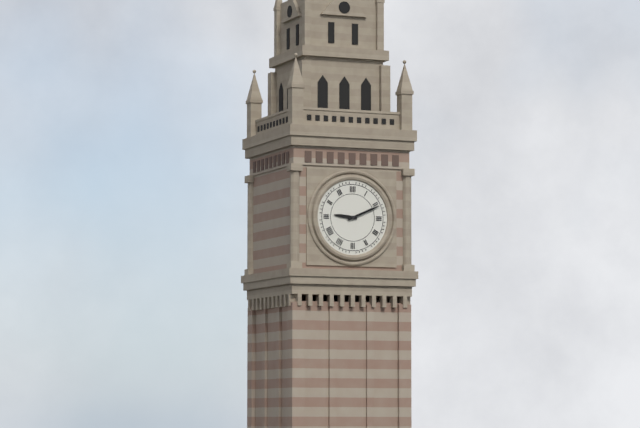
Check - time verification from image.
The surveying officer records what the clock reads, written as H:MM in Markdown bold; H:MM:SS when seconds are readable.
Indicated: **9:11**
